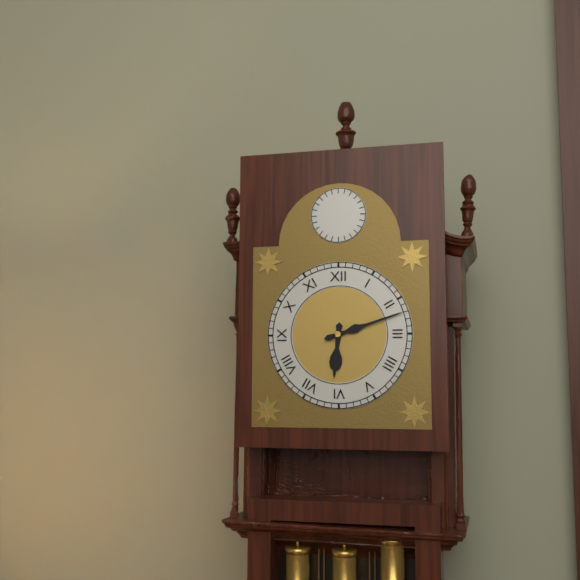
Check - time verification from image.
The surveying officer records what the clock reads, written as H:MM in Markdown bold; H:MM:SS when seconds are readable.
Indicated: **6:12**
